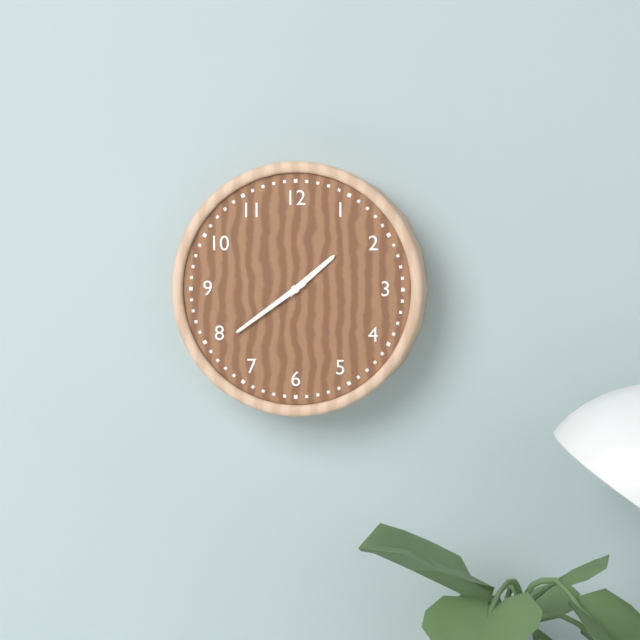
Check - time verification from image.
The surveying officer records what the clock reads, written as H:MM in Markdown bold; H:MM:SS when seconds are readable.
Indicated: **1:39**
